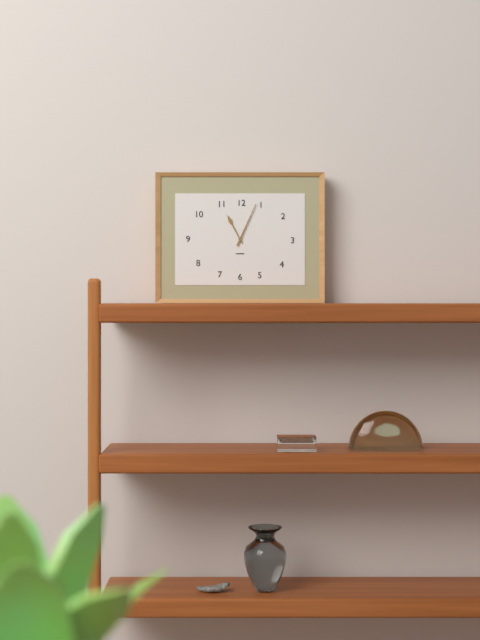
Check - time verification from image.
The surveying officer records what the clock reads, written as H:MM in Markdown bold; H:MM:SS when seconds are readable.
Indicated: **11:04**
